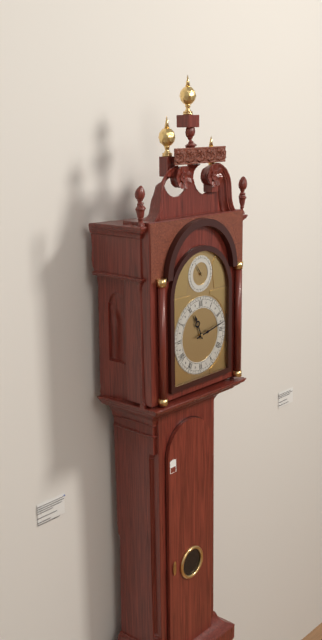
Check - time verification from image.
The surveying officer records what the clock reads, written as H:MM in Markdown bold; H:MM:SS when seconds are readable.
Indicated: **11:13**
